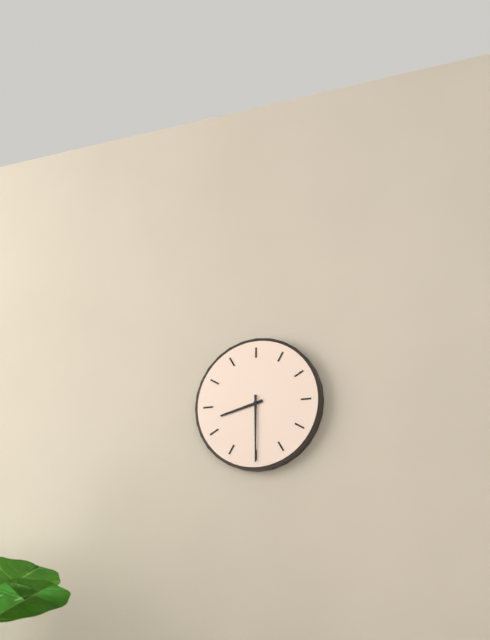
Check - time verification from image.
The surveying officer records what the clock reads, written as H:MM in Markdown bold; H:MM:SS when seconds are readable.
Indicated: **8:30**
